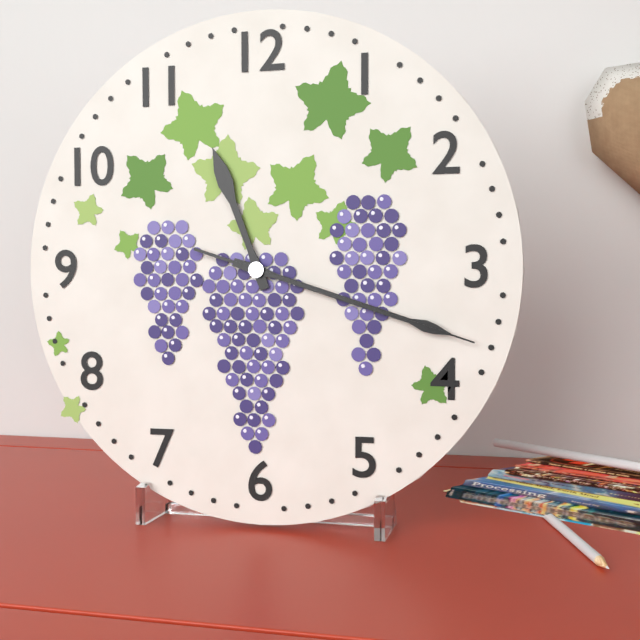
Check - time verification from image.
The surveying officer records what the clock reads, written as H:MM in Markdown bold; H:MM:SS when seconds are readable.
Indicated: **11:18:18**
